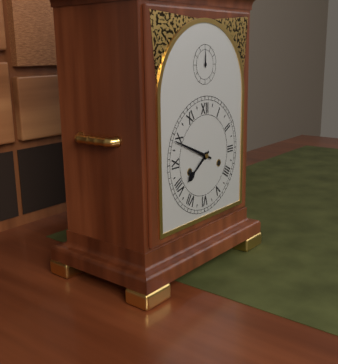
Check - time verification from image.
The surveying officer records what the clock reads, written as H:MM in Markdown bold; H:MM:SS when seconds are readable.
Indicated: **7:49**
